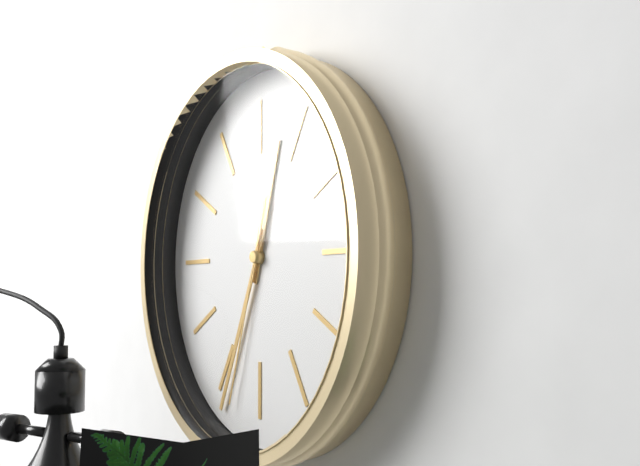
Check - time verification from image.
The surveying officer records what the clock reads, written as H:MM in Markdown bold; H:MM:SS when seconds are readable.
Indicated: **12:34:33**
